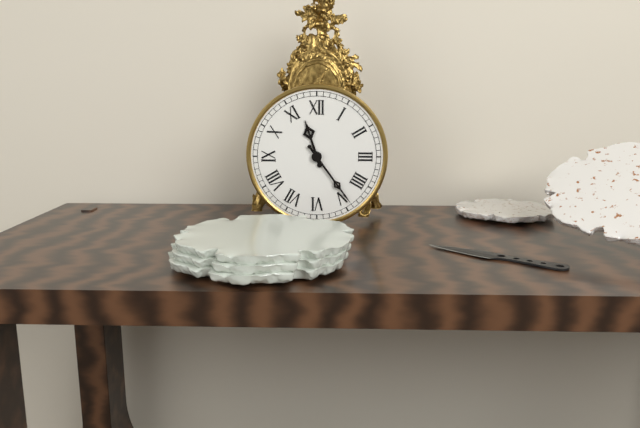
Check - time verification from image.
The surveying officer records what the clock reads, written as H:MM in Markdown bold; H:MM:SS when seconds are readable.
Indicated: **11:24**
